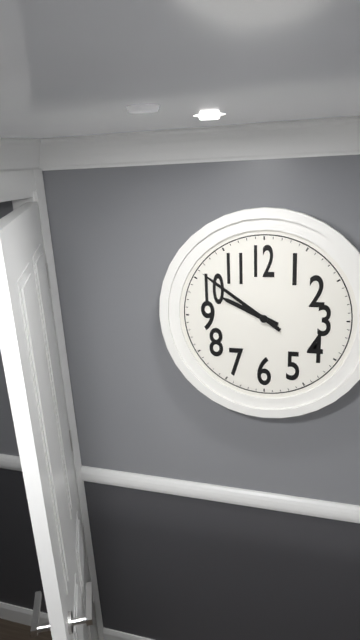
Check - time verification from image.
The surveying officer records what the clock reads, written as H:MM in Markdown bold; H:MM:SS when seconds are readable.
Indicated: **9:51**
